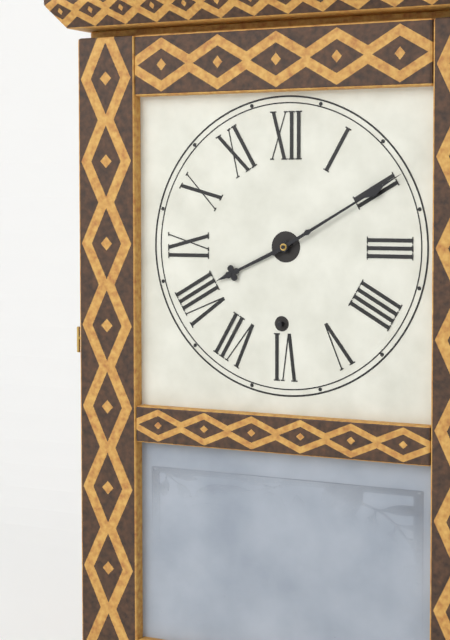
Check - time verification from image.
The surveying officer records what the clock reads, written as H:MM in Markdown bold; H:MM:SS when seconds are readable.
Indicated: **8:10**
